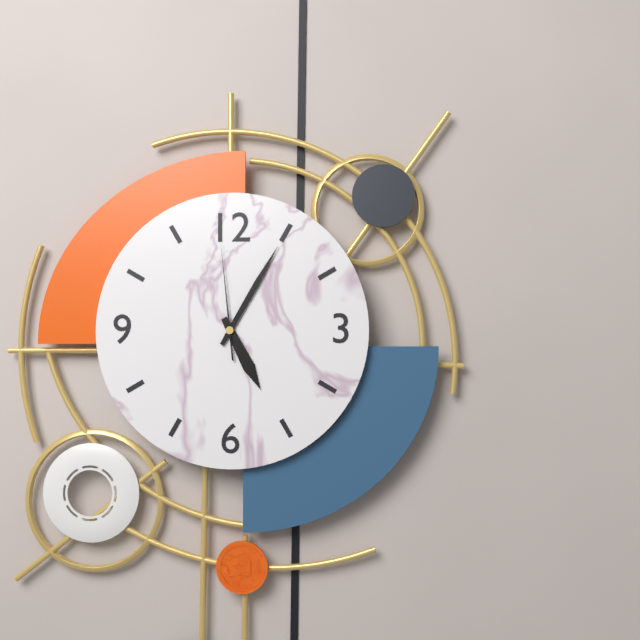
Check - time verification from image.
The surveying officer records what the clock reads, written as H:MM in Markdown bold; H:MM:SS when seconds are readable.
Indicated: **5:05:59**
